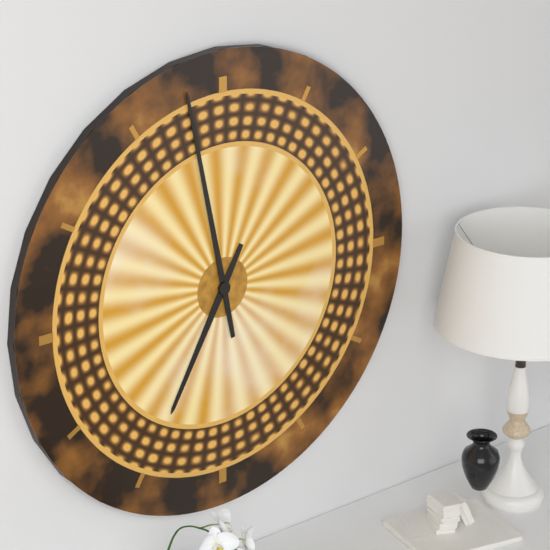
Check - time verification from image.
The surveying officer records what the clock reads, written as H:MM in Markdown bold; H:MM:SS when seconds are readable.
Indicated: **6:58**
